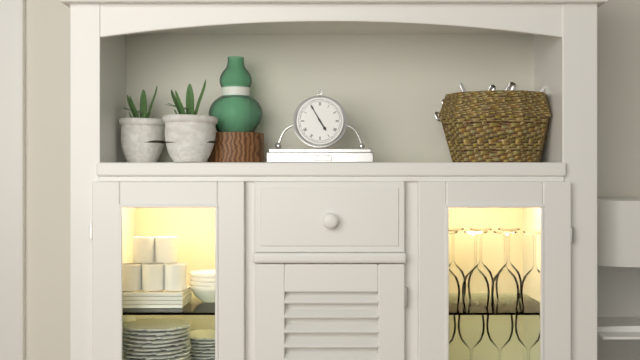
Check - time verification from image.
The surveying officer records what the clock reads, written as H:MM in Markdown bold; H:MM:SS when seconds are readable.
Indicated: **4:55**
